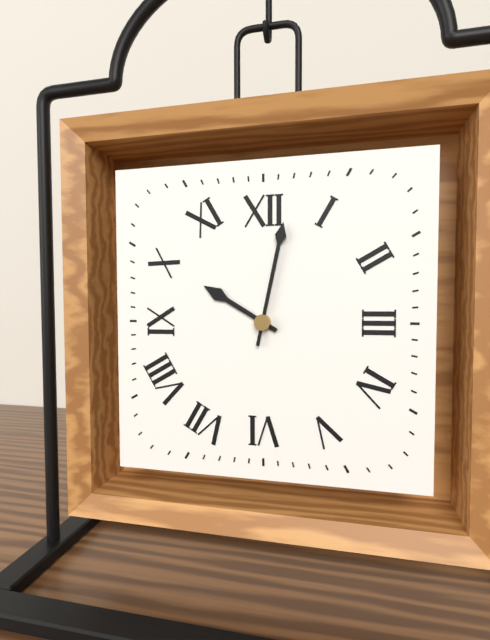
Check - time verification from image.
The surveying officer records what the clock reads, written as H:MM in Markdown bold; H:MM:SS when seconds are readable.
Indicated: **10:02**
